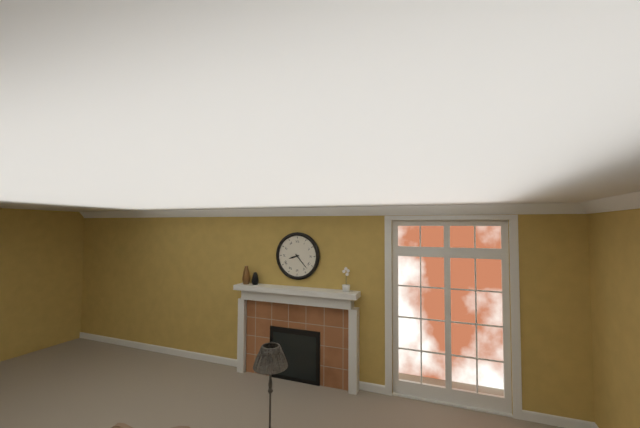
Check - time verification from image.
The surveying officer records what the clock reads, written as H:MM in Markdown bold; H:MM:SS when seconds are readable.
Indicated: **8:23**
